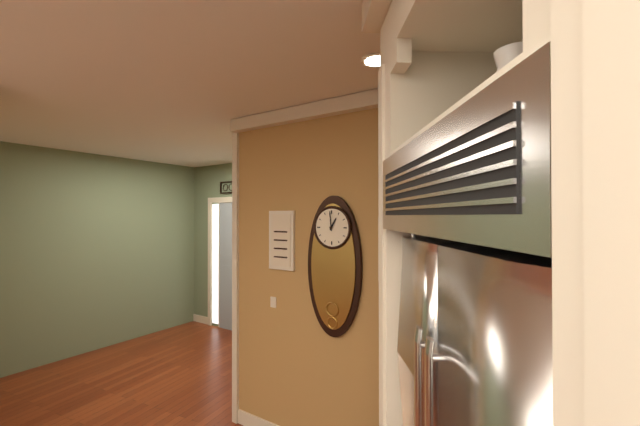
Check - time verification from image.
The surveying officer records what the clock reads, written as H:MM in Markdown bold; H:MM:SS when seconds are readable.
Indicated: **12:59**
